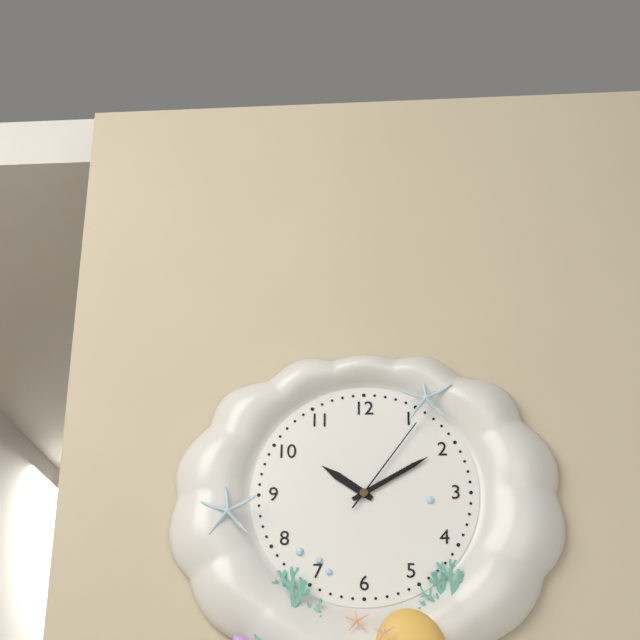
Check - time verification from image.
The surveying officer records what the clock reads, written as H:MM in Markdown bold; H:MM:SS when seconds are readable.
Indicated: **10:10:06**
